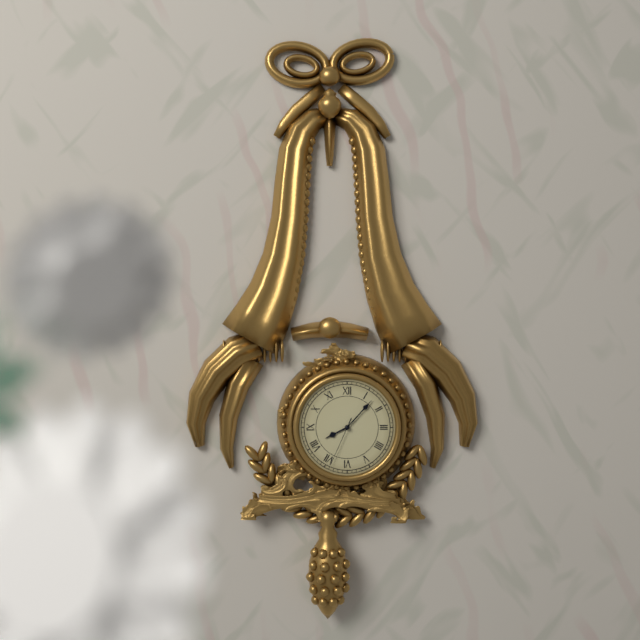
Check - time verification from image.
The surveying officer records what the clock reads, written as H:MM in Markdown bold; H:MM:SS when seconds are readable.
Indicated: **8:07:34**
